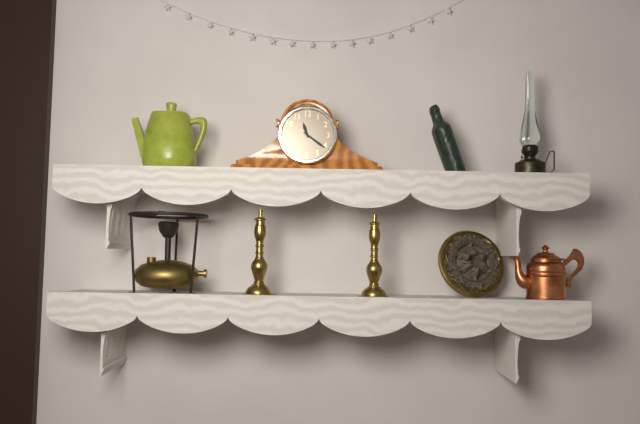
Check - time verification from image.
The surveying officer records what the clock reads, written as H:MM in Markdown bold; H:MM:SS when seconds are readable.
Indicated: **11:21**
